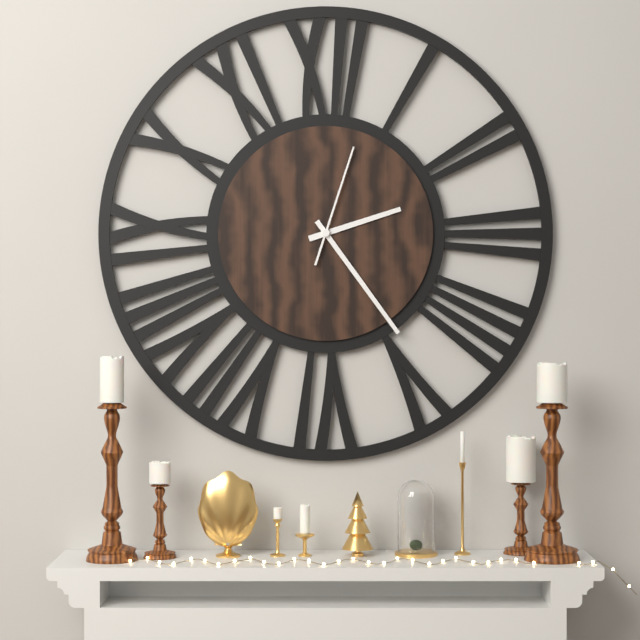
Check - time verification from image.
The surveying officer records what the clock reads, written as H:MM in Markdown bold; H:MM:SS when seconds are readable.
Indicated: **2:24:03**
